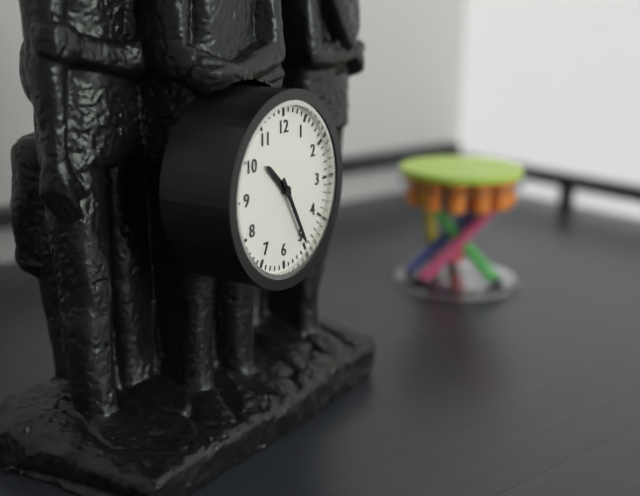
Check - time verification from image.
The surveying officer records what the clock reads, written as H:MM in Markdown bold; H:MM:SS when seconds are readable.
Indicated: **10:25**
